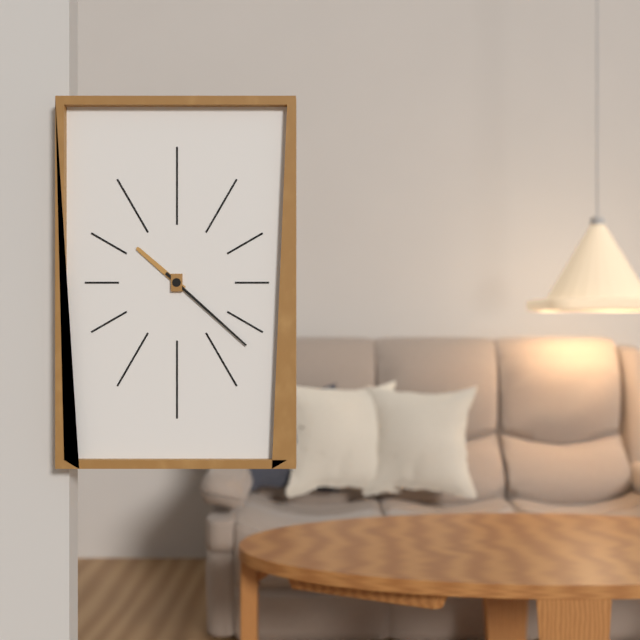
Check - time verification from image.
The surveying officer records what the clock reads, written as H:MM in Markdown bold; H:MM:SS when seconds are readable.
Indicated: **10:22**
